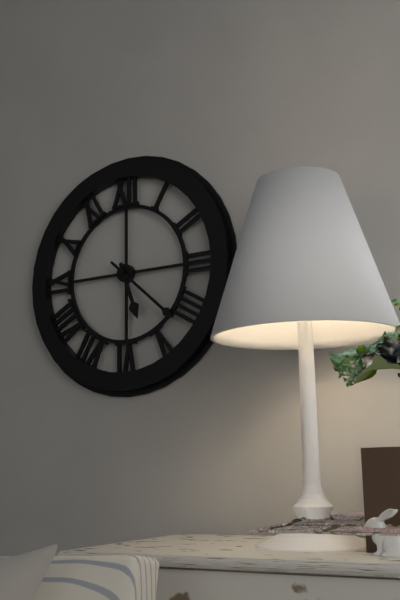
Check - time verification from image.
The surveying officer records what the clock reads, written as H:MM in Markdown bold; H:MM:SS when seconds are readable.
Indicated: **5:22**
